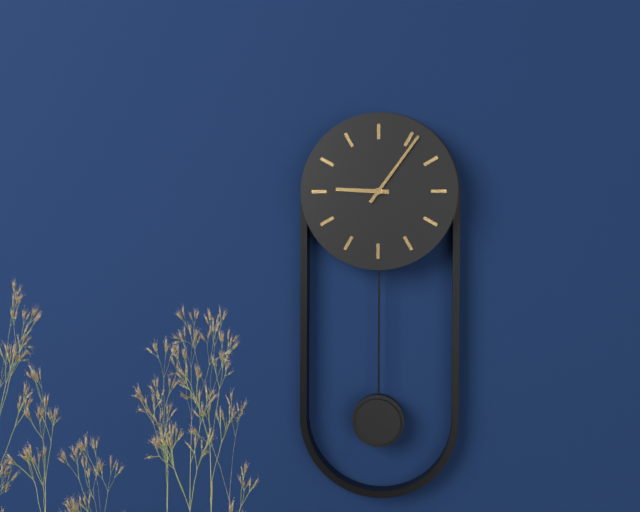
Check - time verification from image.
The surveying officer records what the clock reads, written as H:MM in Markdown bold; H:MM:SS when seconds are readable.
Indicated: **9:06**
